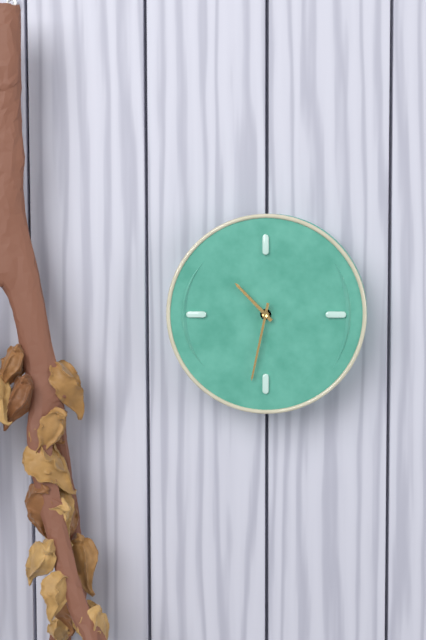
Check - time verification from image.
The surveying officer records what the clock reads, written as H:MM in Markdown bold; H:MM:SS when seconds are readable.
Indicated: **10:32**
